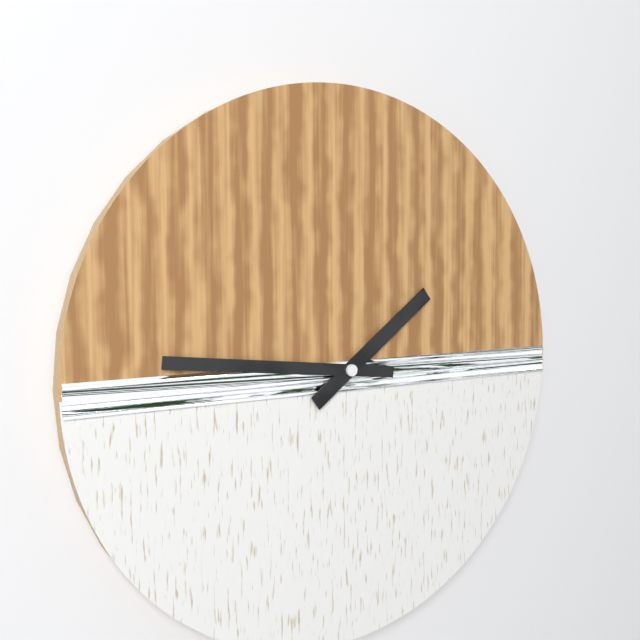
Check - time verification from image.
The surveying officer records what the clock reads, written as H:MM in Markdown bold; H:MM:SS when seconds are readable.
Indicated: **1:46**
